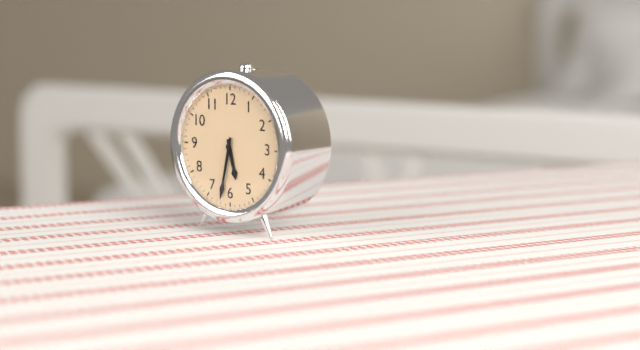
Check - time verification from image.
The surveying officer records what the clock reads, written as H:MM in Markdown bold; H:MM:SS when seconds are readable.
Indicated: **5:32**
